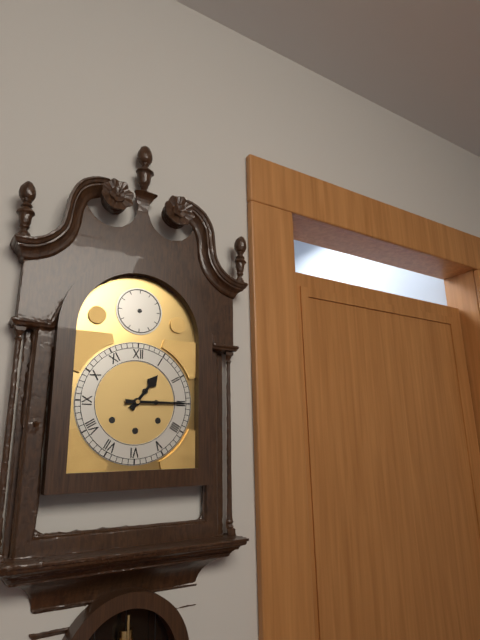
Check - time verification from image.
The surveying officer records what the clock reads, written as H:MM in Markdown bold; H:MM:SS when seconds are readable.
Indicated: **1:15**
